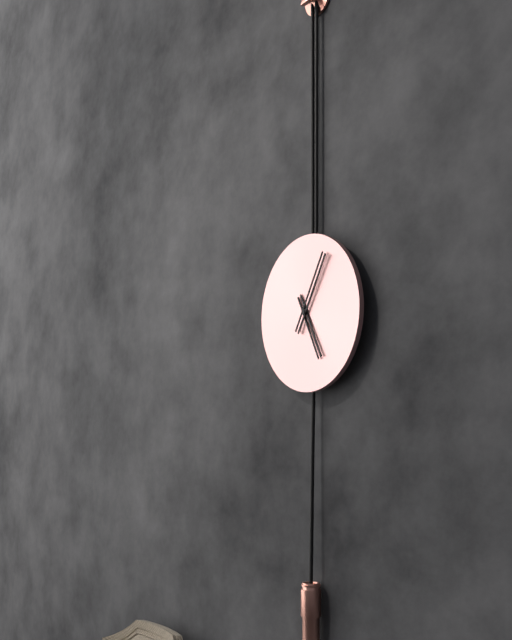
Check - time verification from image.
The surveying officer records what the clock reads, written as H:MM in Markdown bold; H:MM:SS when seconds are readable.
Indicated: **5:05**
